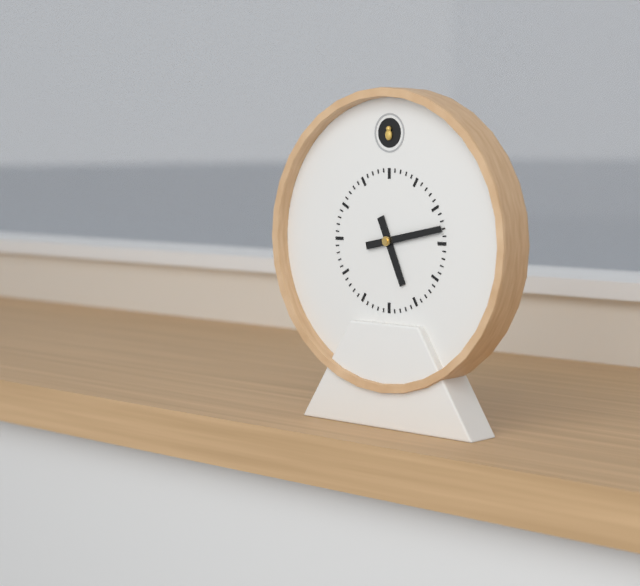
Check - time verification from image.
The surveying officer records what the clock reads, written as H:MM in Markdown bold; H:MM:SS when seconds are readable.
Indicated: **5:13**
